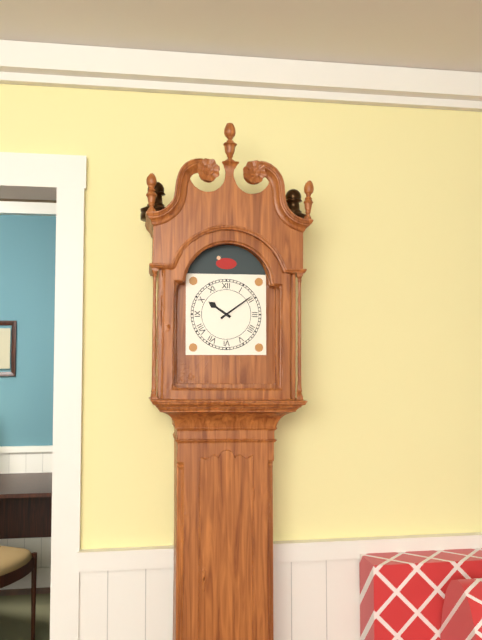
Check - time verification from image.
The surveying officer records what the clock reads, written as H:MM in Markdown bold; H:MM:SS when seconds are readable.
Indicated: **10:09**
